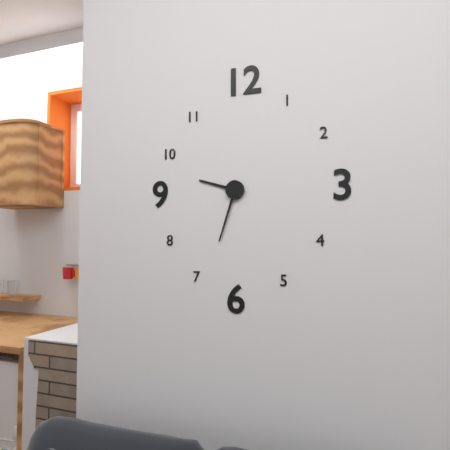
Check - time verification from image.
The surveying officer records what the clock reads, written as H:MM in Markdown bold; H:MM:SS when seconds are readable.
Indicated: **9:33**
